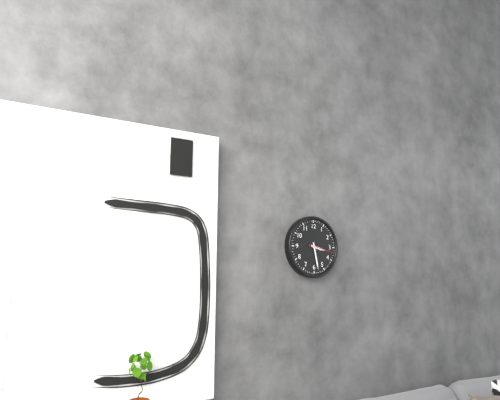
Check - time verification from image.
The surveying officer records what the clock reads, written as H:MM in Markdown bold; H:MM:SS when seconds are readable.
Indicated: **3:28**
